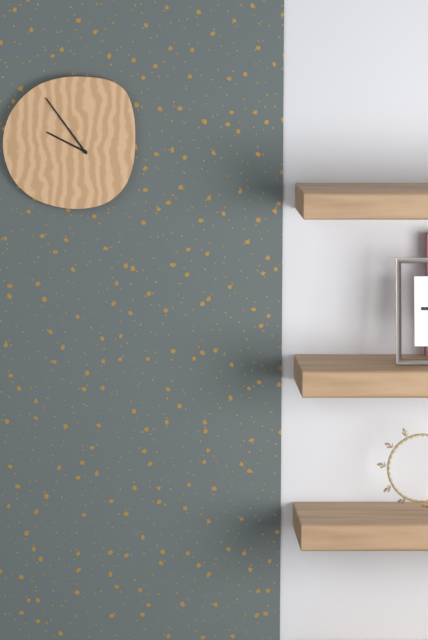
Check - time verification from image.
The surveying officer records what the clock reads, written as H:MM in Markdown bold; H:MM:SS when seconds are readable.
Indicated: **9:54**
